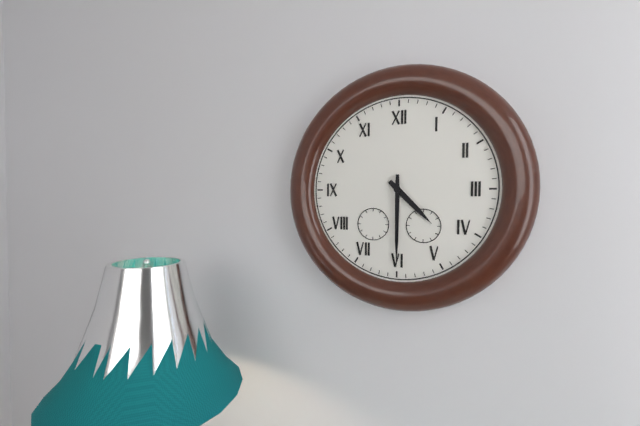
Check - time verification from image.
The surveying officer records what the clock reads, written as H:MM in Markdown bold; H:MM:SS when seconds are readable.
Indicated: **4:30**
